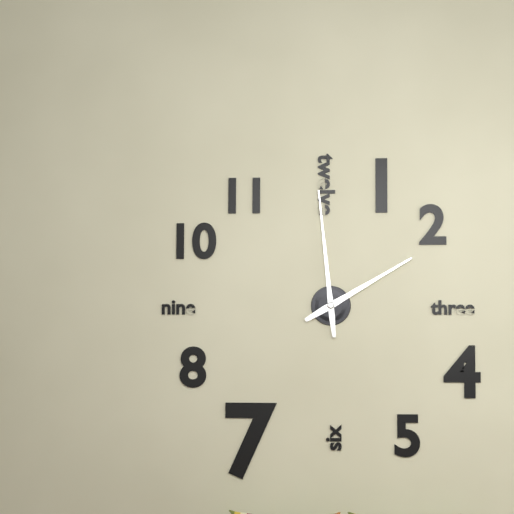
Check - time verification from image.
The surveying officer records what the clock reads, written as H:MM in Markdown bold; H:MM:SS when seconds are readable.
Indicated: **1:59**
